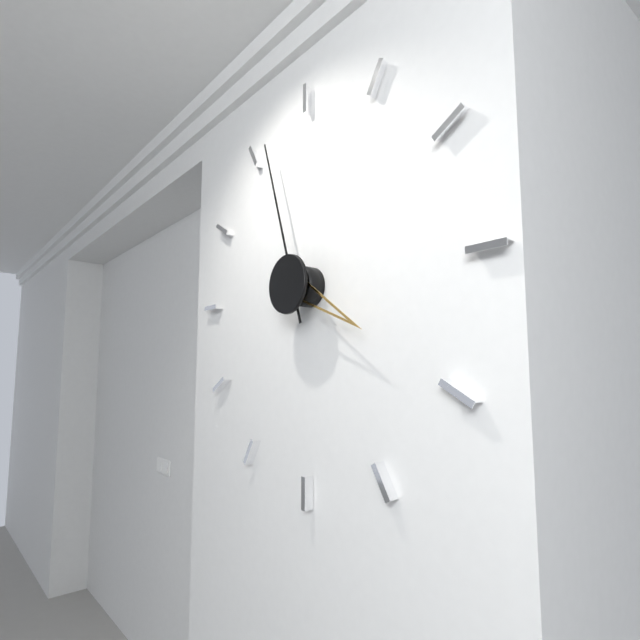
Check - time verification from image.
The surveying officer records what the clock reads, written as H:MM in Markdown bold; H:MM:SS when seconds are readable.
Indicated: **3:57**
